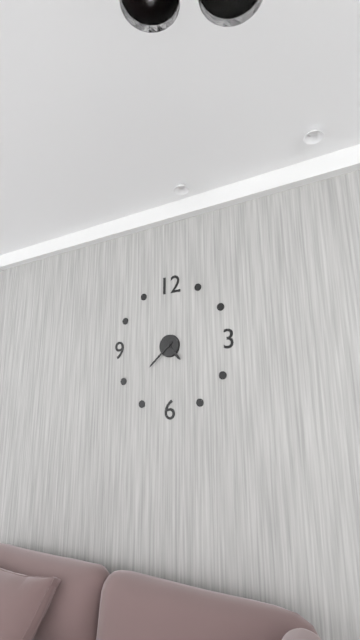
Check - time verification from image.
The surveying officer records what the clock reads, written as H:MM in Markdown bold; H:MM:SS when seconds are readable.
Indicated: **4:38**
